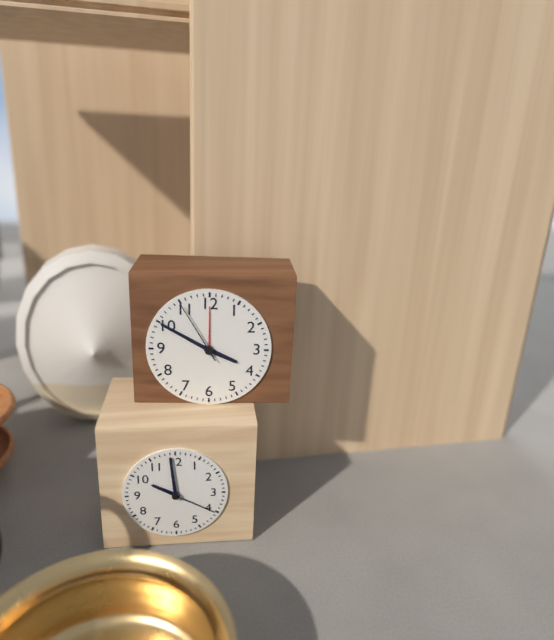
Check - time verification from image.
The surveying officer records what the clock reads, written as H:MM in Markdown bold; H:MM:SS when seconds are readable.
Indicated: **3:50:55**
